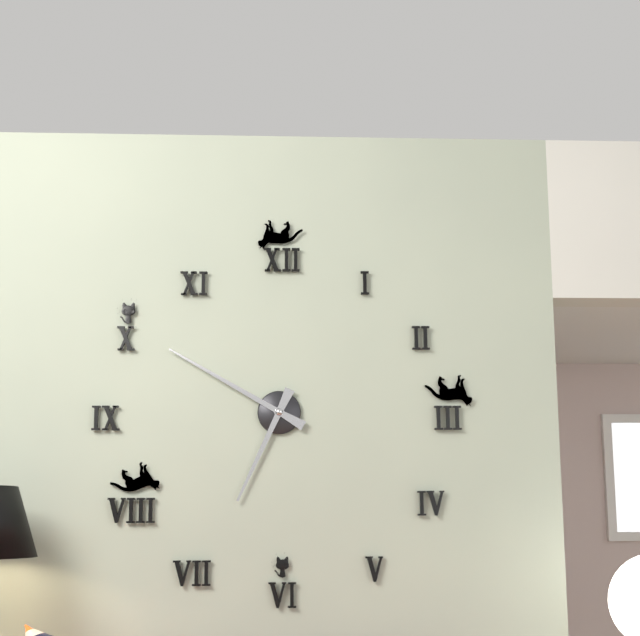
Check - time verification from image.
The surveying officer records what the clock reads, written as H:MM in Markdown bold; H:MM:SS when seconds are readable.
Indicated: **6:50**
